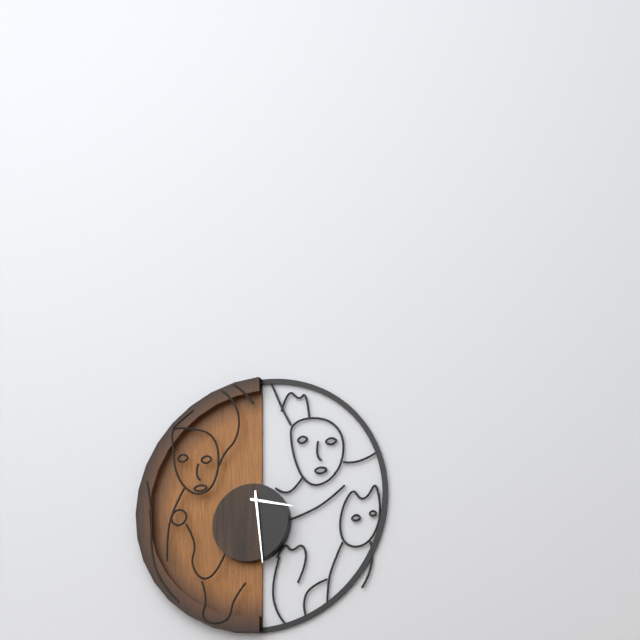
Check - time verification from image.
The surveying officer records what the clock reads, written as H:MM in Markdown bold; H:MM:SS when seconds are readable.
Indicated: **3:29**
